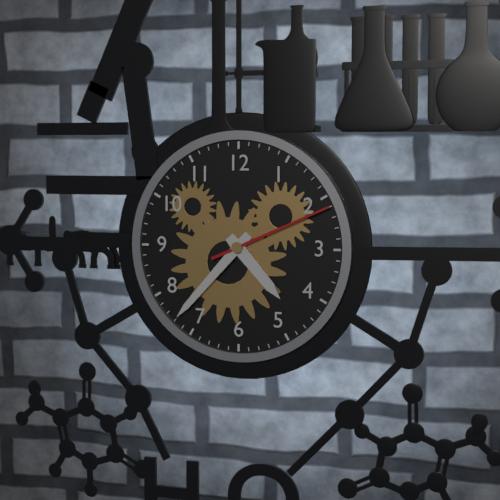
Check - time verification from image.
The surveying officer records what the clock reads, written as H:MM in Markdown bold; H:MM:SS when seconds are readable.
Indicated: **4:37:11**
